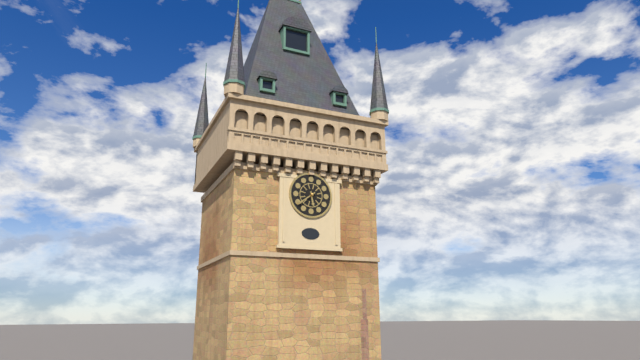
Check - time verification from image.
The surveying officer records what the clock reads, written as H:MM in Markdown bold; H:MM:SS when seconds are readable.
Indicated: **5:39**
